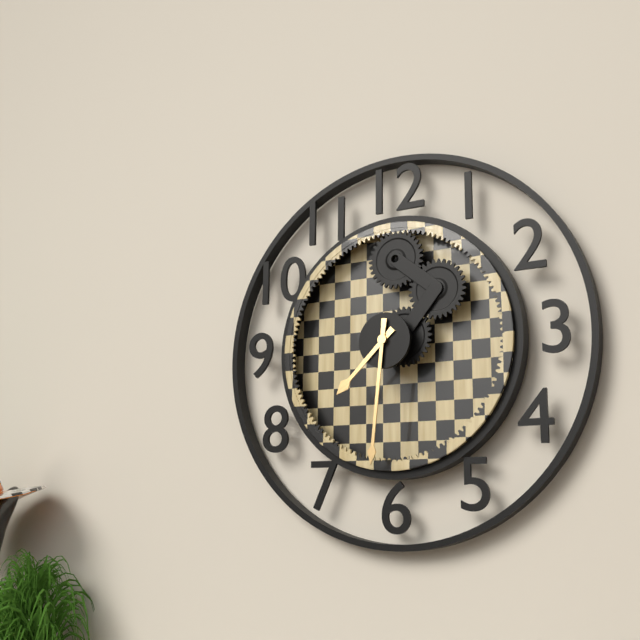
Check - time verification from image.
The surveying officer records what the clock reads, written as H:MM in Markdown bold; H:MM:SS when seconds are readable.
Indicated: **7:31**
